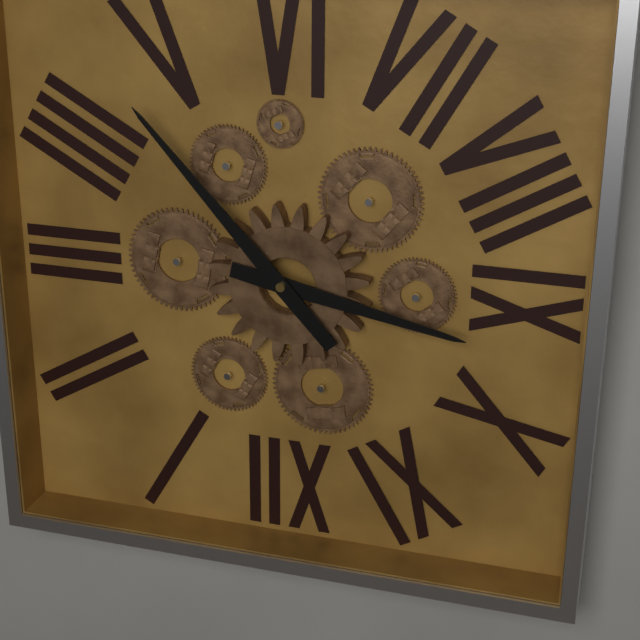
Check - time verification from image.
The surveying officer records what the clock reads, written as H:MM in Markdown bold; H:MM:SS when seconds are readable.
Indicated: **9:23**
